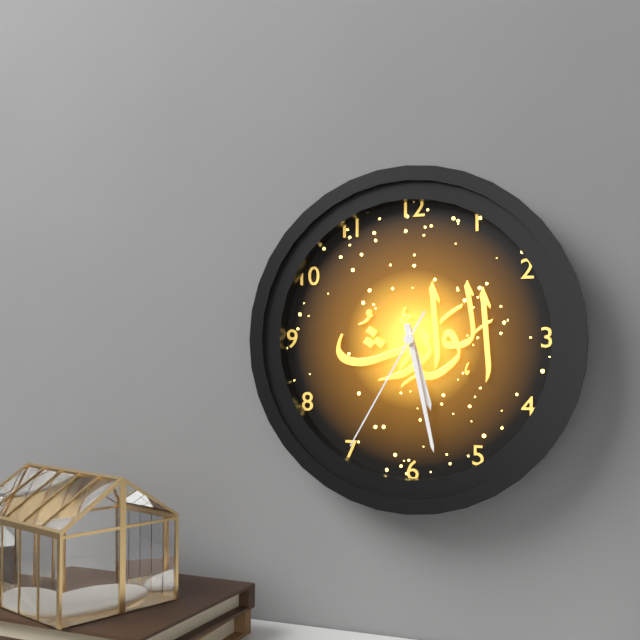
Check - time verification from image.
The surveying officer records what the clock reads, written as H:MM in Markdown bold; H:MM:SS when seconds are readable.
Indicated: **5:28:35**
